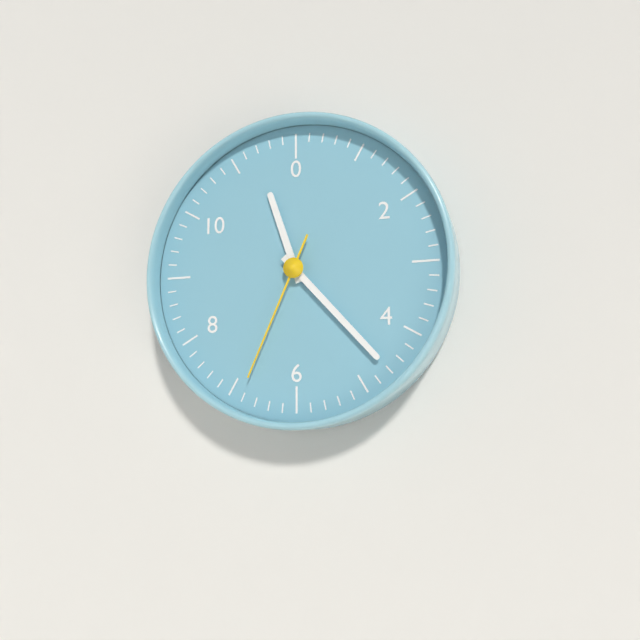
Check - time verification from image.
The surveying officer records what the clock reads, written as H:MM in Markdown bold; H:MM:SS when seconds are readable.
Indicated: **11:23:34**
